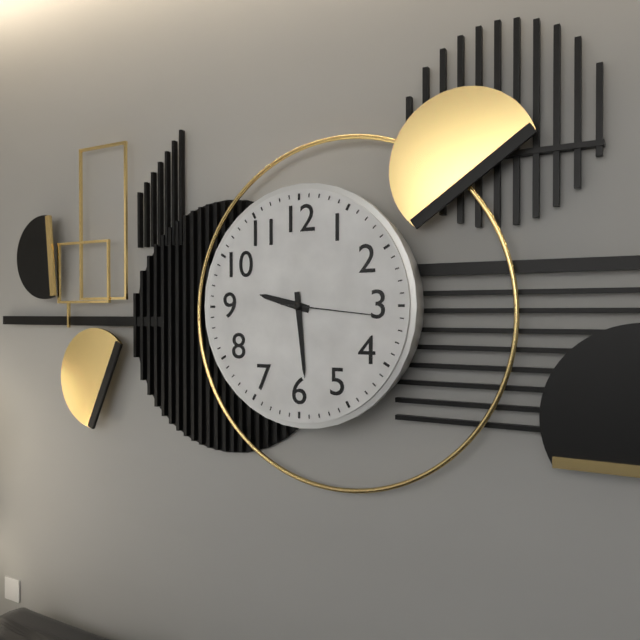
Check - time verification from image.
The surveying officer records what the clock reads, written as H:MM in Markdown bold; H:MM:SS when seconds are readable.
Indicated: **9:29:16**
